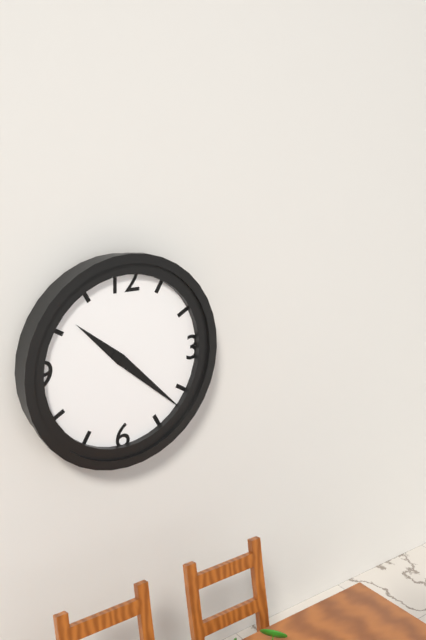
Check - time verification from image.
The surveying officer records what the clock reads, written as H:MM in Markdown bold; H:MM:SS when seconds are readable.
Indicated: **10:22**
